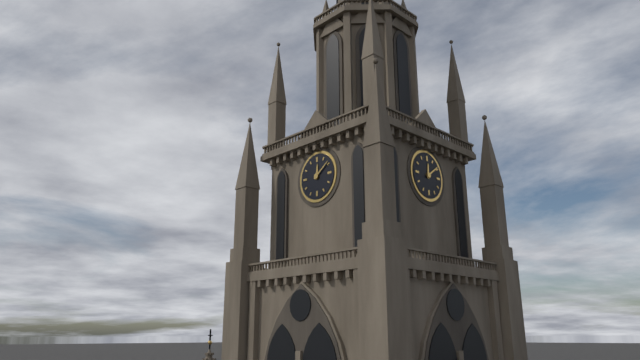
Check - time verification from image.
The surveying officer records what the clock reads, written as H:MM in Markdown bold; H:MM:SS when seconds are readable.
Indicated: **12:09**
